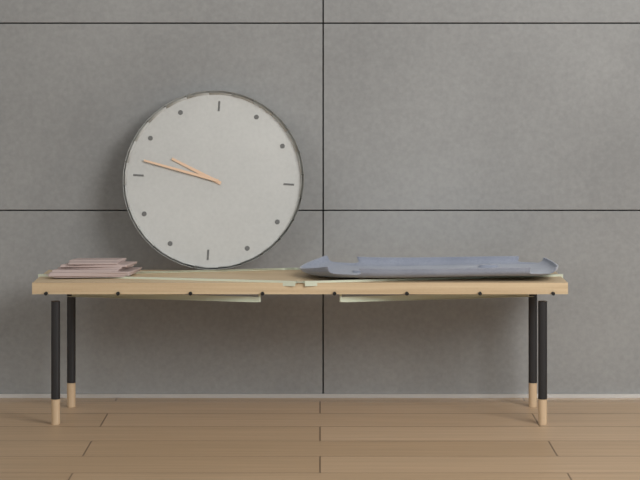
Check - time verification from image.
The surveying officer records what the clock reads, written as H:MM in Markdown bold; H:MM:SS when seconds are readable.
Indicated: **9:47**
